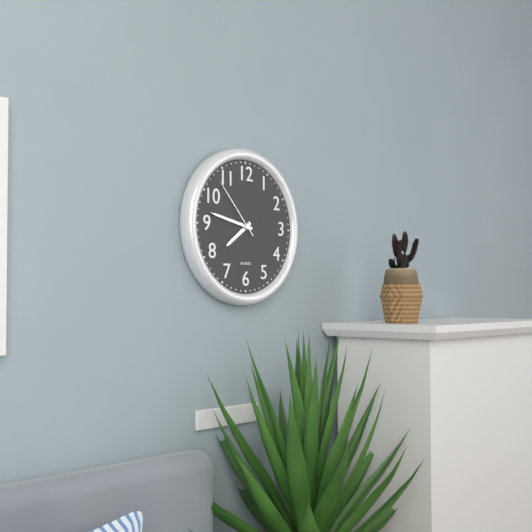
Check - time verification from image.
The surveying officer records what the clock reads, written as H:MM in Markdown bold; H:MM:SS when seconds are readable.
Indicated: **7:47:53**
